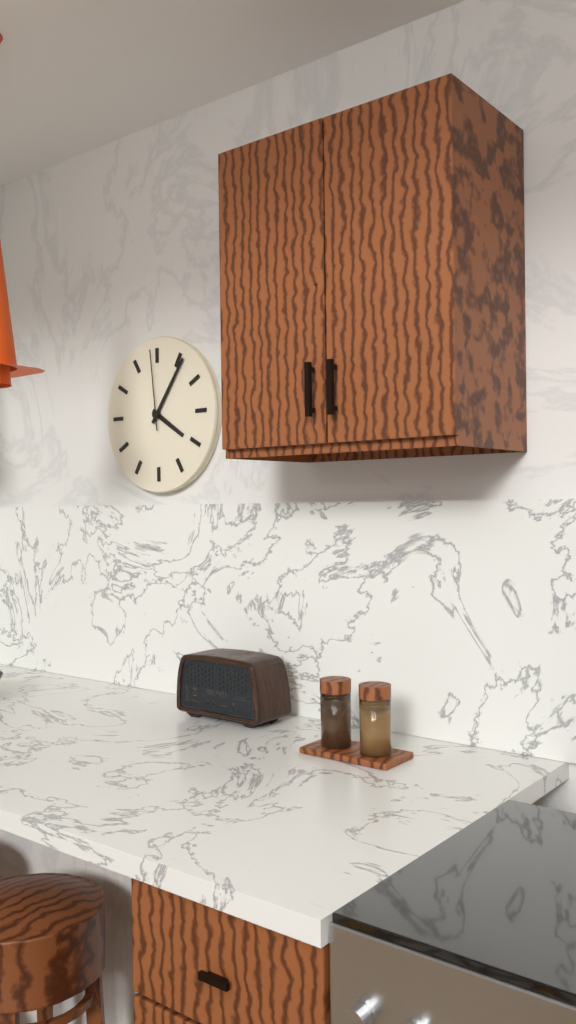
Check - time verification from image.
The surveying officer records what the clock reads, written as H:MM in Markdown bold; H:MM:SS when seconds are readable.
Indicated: **4:06:59**
